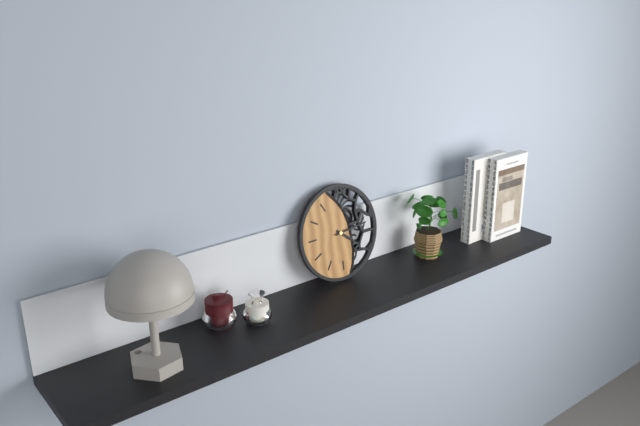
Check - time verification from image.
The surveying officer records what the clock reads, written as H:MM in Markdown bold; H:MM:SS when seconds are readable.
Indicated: **4:14**
